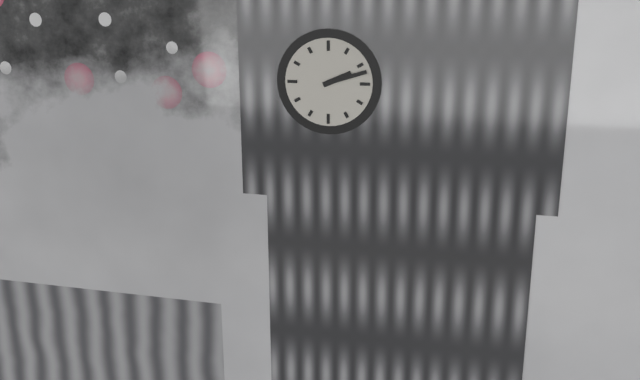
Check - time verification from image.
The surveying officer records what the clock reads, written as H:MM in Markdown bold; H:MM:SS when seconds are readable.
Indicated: **2:12**
